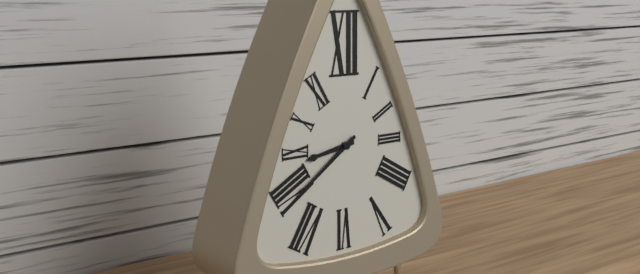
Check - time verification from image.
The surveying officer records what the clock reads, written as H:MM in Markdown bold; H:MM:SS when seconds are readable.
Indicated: **8:39**
